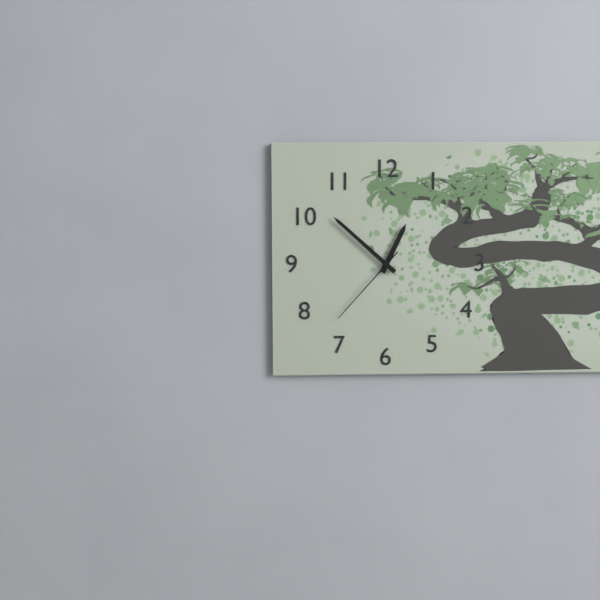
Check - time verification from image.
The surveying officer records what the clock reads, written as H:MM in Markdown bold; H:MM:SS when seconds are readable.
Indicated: **12:52:37**
